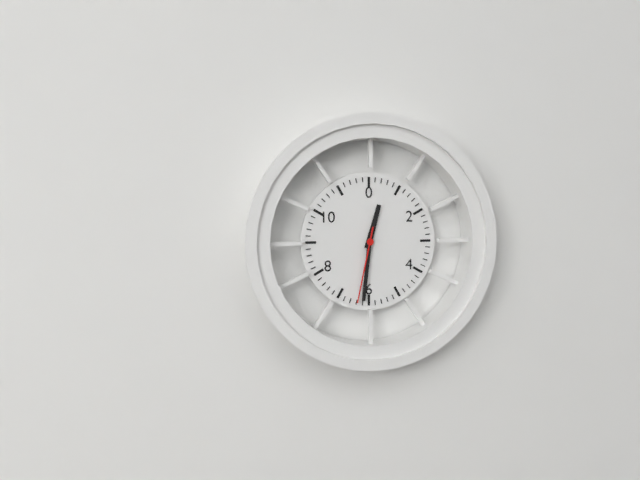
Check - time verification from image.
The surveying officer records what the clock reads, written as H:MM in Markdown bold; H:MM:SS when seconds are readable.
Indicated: **12:31:32**
